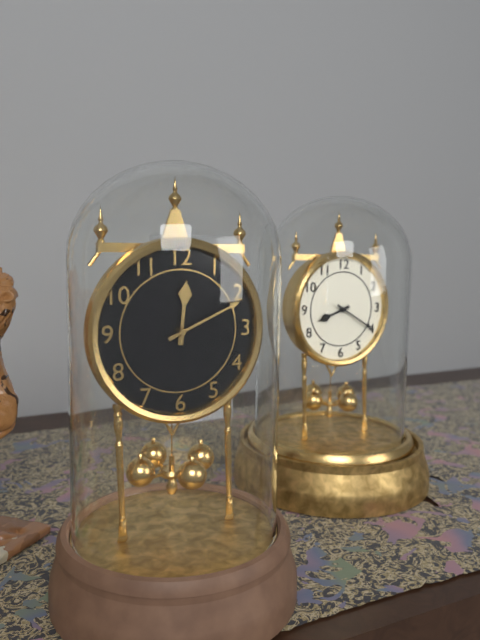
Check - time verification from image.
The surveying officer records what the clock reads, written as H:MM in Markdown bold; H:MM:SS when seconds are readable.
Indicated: **12:11**
